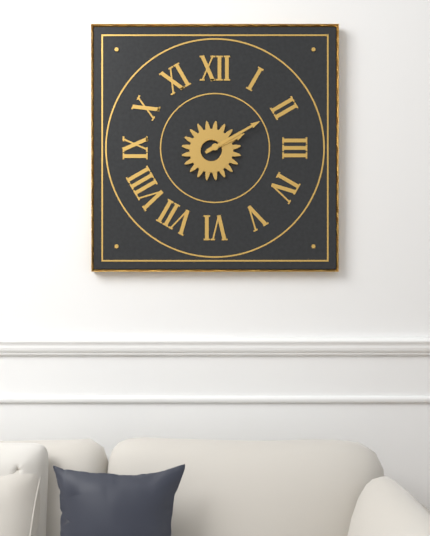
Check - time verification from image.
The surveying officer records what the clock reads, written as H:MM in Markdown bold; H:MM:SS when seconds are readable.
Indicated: **2:10**
